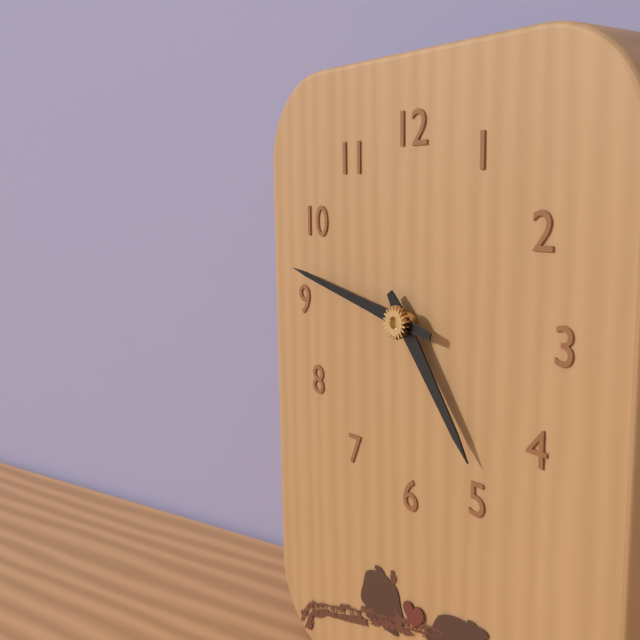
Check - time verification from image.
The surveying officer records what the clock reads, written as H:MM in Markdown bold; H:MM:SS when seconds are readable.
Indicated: **4:47**
